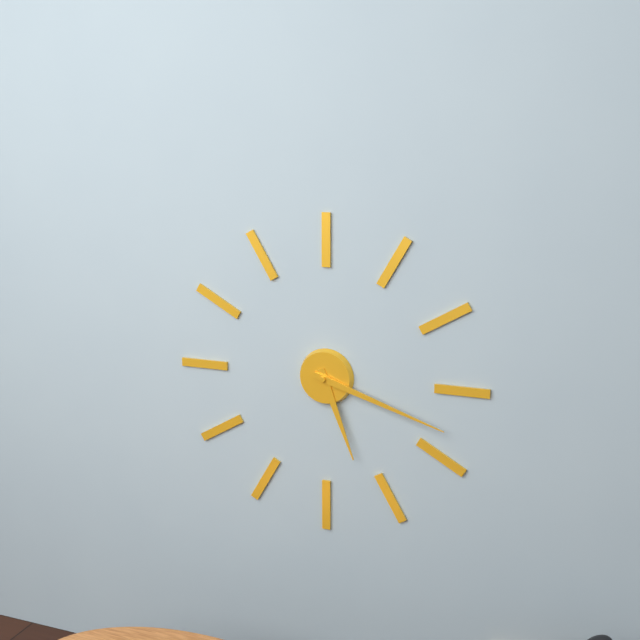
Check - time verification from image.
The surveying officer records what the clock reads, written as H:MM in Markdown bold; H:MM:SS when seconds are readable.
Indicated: **5:18**
